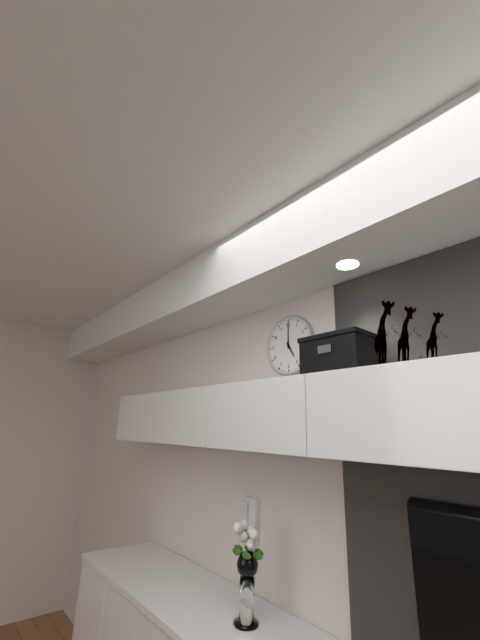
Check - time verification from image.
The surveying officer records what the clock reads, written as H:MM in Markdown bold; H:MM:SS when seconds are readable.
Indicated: **5:00**
